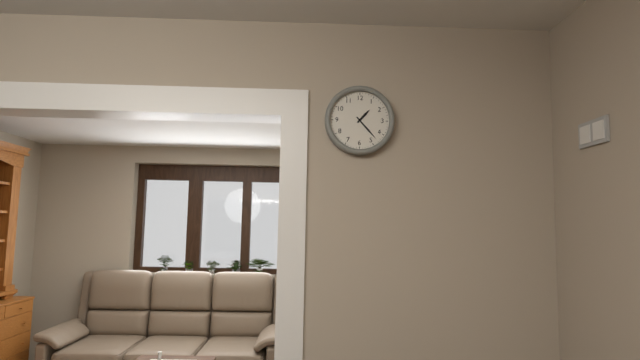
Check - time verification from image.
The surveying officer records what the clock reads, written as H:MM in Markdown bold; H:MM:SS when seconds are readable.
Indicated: **1:23**
